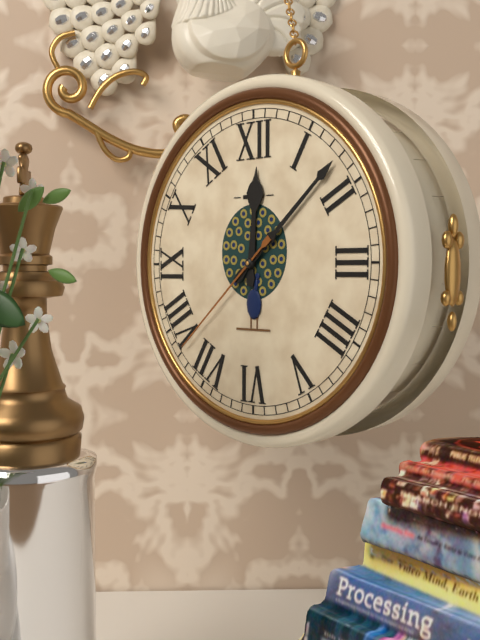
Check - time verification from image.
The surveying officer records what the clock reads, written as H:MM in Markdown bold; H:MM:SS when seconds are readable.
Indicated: **12:08:38**
